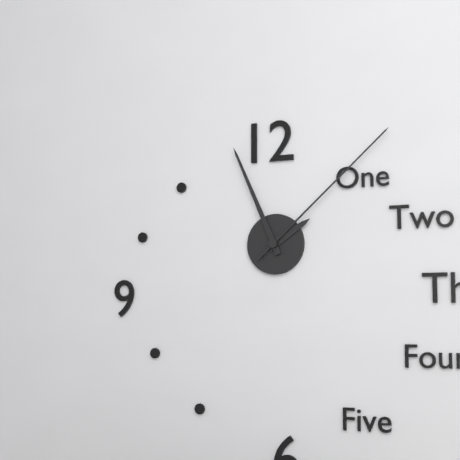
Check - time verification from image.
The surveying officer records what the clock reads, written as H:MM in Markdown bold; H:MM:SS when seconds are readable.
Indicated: **1:56:08**
